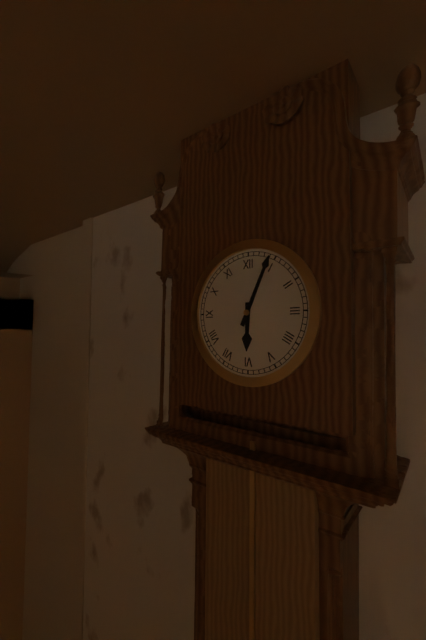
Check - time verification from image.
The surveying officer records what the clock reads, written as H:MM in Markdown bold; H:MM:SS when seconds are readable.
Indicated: **6:04**
